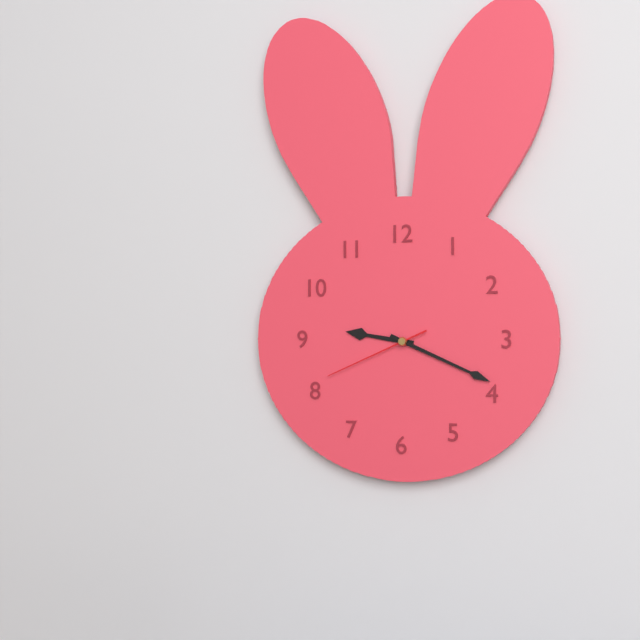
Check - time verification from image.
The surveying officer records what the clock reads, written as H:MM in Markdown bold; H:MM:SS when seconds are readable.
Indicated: **9:19:41**
